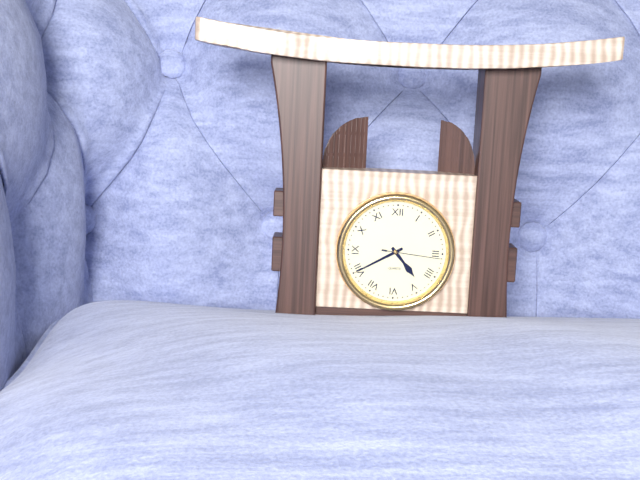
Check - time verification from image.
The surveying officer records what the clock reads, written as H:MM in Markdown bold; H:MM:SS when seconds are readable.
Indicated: **4:40:16**
